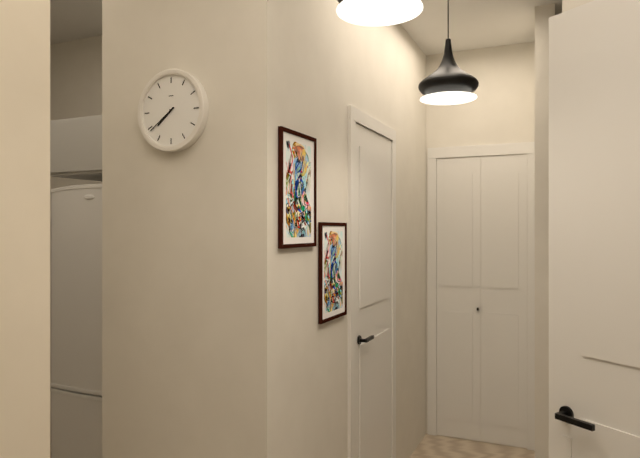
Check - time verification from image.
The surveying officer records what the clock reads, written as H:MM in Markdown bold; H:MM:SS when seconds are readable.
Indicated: **7:39**
